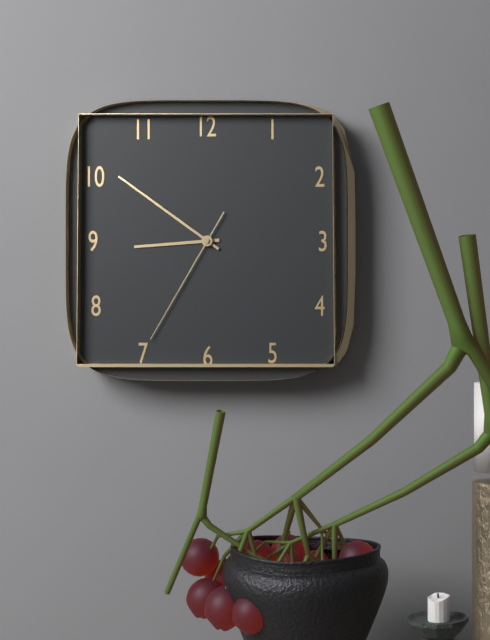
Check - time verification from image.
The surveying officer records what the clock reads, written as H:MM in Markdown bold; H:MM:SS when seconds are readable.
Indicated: **8:51:35**
